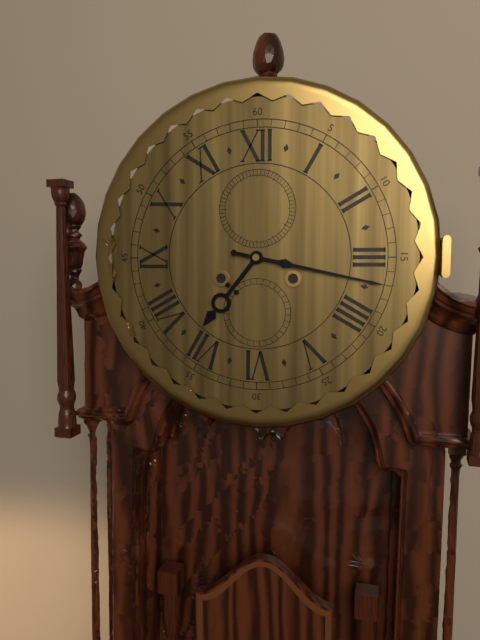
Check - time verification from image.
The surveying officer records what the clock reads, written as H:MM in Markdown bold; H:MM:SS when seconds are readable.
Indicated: **7:17**
